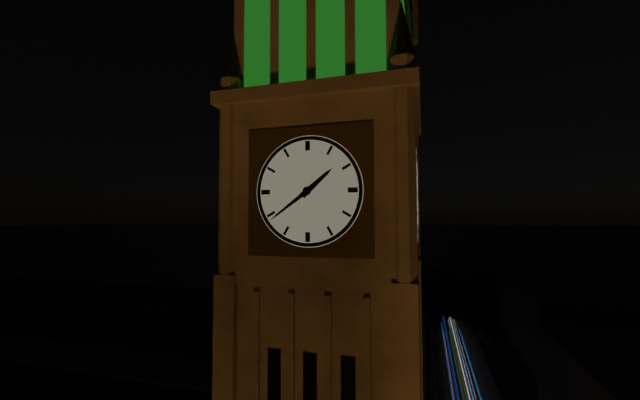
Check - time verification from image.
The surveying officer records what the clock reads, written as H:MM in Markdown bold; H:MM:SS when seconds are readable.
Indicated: **1:39**
